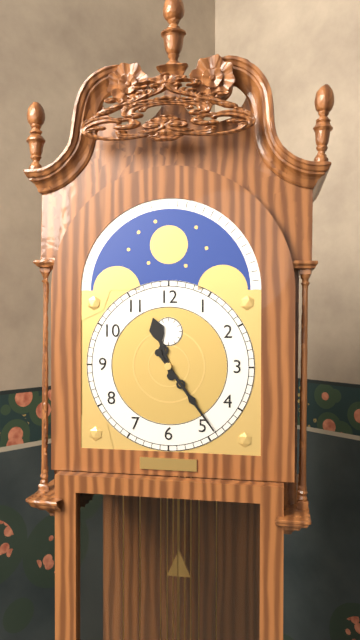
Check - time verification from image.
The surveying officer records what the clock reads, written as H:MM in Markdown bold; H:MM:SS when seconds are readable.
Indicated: **11:24**
